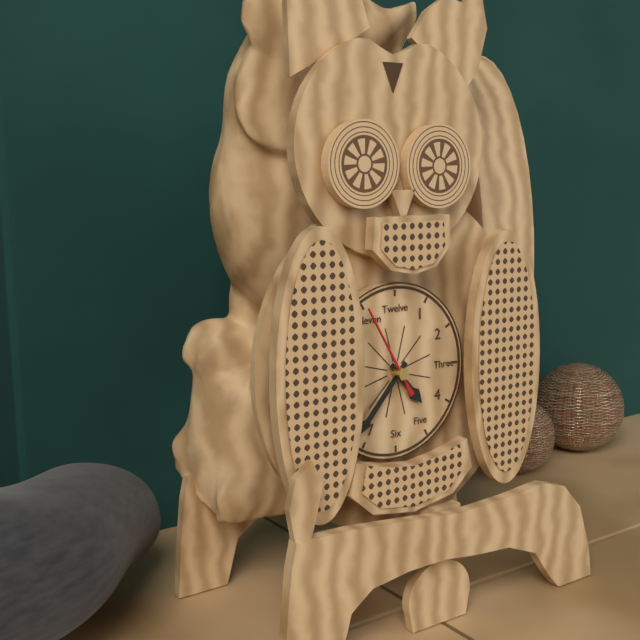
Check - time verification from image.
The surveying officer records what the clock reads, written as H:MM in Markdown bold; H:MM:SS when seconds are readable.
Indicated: **4:37:55**
